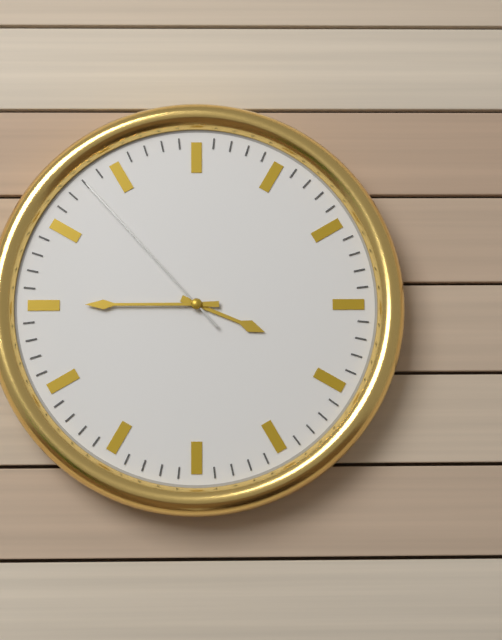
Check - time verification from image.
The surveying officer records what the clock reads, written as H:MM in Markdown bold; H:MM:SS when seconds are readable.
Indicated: **3:45:53**
